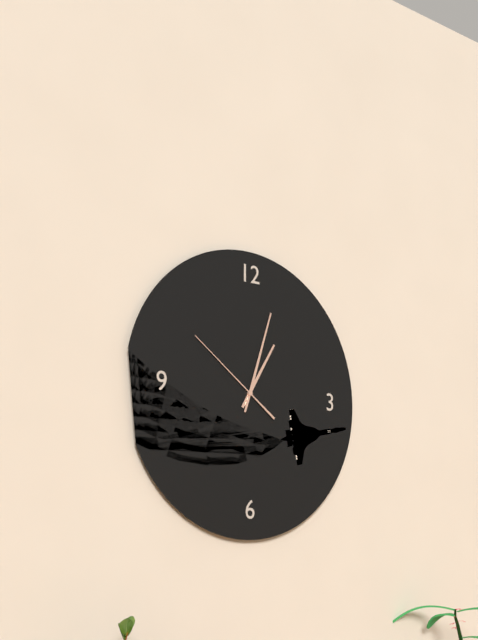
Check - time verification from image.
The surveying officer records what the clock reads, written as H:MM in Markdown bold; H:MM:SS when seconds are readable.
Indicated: **1:03:51**
